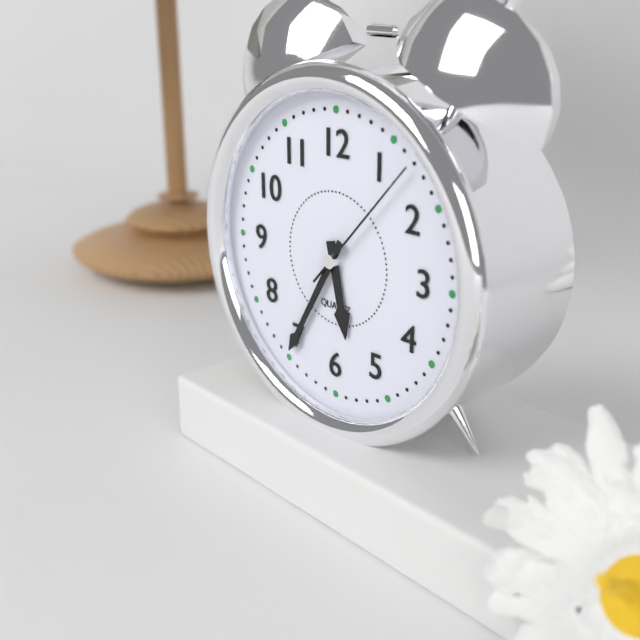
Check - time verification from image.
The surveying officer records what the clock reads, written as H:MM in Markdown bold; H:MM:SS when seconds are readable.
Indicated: **5:35:07**
